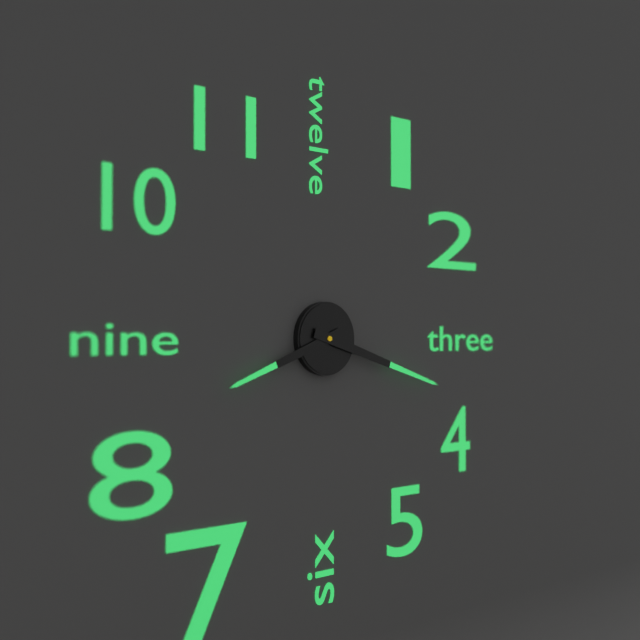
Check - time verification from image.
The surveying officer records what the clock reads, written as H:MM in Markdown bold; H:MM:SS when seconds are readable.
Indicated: **8:18**
